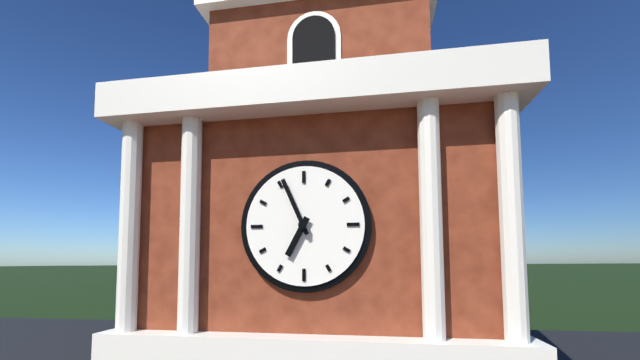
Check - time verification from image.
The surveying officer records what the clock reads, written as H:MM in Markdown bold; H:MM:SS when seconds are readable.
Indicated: **6:56**
